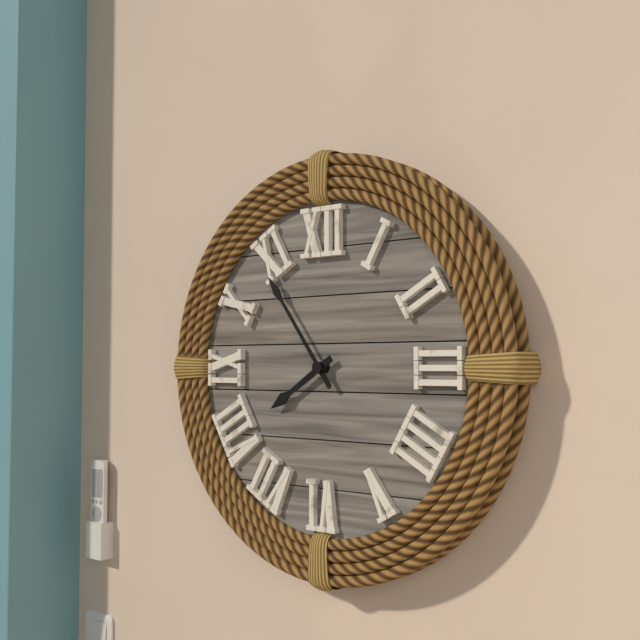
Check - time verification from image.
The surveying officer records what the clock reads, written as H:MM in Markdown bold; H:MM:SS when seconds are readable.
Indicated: **7:54**
